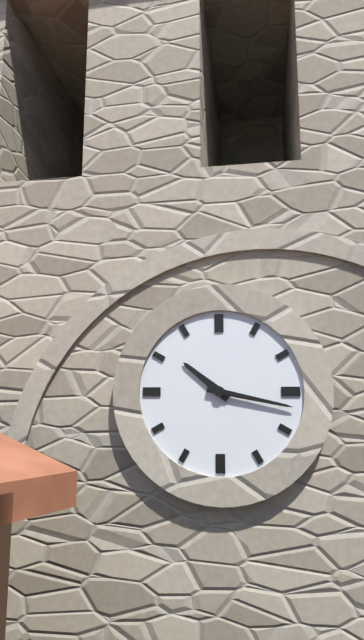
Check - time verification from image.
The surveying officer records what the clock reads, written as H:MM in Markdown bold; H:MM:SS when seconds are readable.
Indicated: **10:17**
